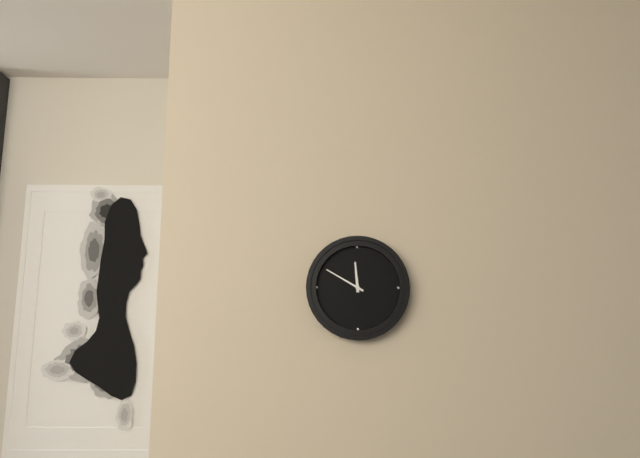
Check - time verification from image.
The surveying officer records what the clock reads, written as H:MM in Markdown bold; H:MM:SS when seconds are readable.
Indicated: **11:50**
